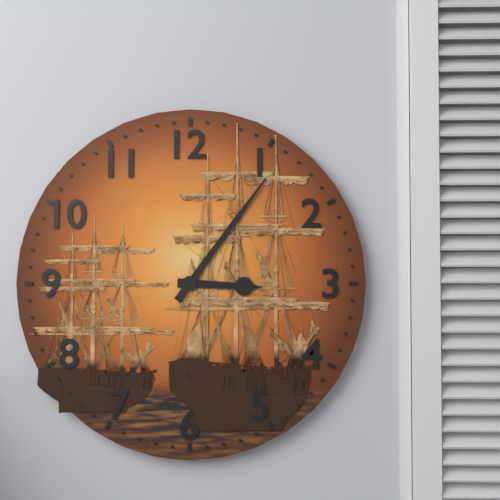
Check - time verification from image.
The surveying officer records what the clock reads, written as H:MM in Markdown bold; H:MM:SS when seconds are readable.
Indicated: **3:06**
